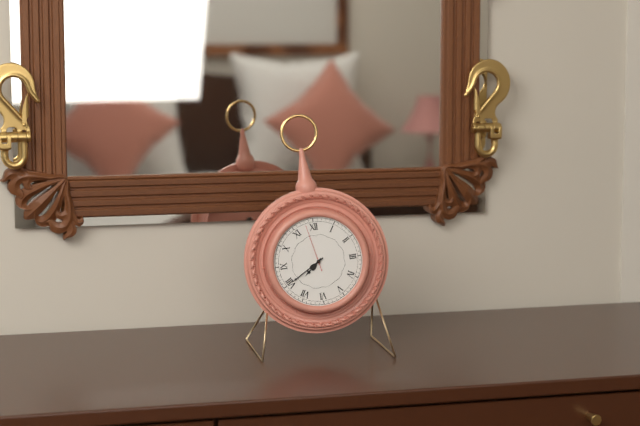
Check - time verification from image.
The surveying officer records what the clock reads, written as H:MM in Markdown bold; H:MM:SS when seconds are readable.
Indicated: **7:40**
